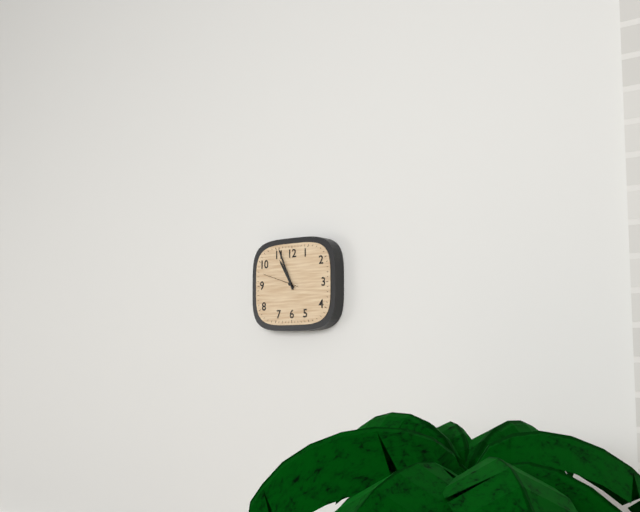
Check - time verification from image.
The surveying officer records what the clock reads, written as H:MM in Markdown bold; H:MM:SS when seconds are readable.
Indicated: **10:56**
